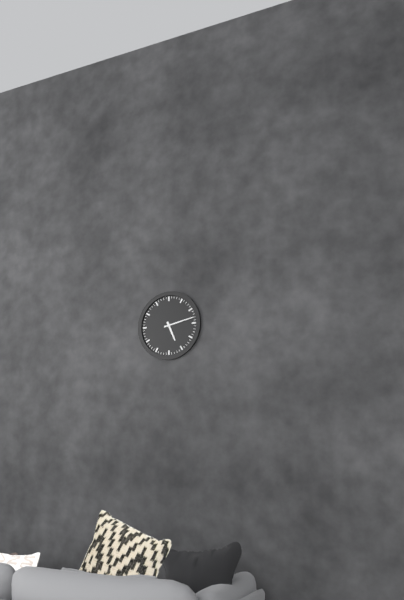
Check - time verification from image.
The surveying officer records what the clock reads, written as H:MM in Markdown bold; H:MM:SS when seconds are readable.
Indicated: **5:13**
